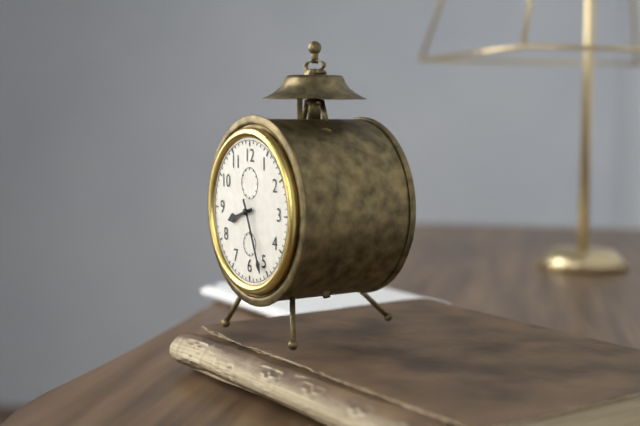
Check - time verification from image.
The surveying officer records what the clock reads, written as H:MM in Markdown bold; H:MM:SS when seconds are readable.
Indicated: **8:26**
